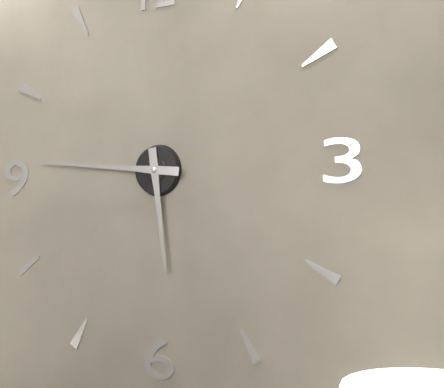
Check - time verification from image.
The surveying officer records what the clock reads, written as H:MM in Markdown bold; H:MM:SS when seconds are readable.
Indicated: **5:46**
